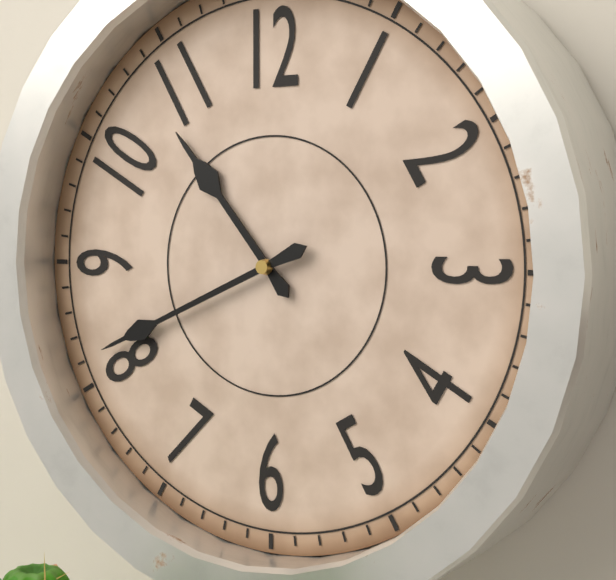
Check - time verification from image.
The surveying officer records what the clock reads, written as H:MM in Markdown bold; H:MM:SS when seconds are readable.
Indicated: **10:41**
